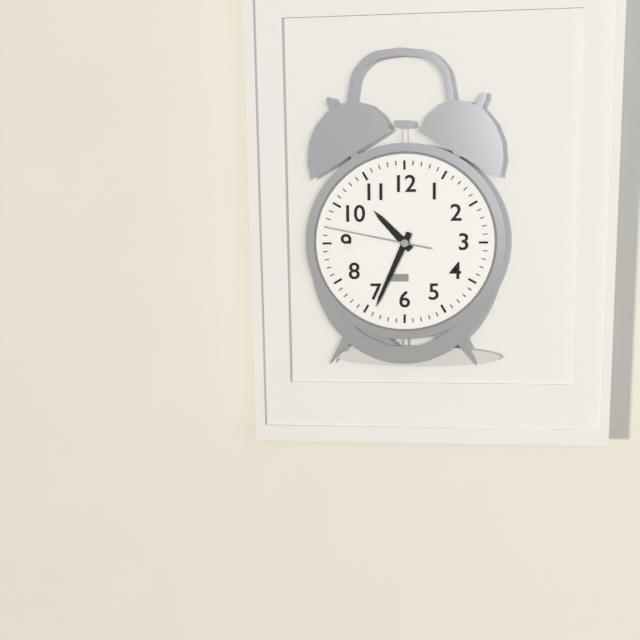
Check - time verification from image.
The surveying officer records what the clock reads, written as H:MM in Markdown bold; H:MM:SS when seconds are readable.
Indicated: **10:34:47**
